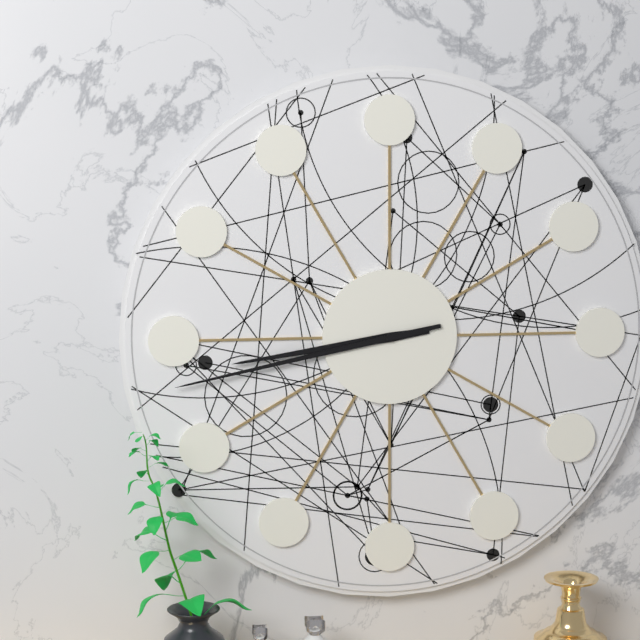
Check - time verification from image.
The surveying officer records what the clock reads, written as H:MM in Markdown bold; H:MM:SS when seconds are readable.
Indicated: **8:43**
